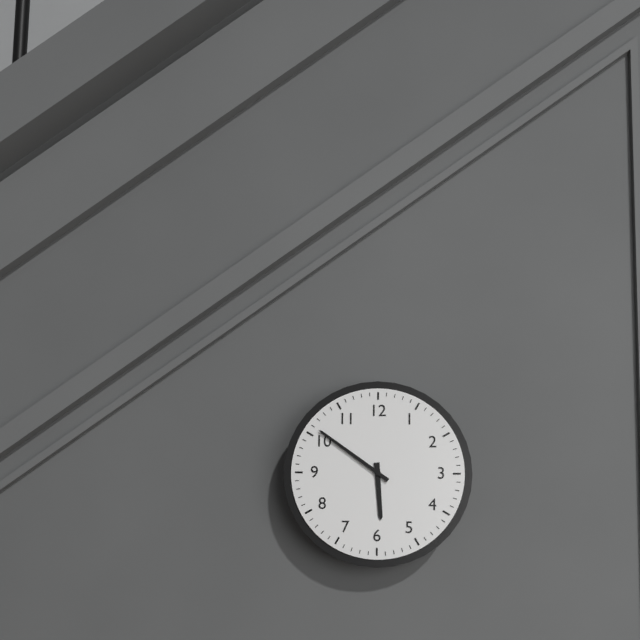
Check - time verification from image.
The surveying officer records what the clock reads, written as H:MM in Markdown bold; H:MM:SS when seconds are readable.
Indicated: **5:51**
